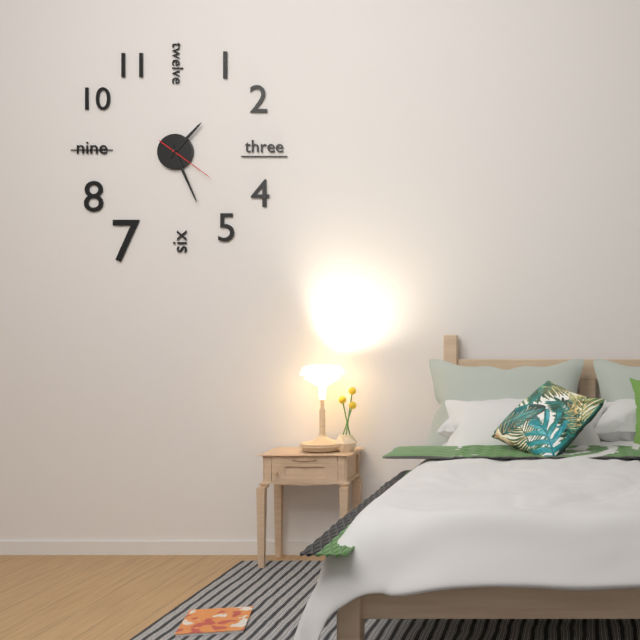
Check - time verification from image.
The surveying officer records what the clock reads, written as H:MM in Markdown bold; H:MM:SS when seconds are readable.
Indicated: **1:26:21**
